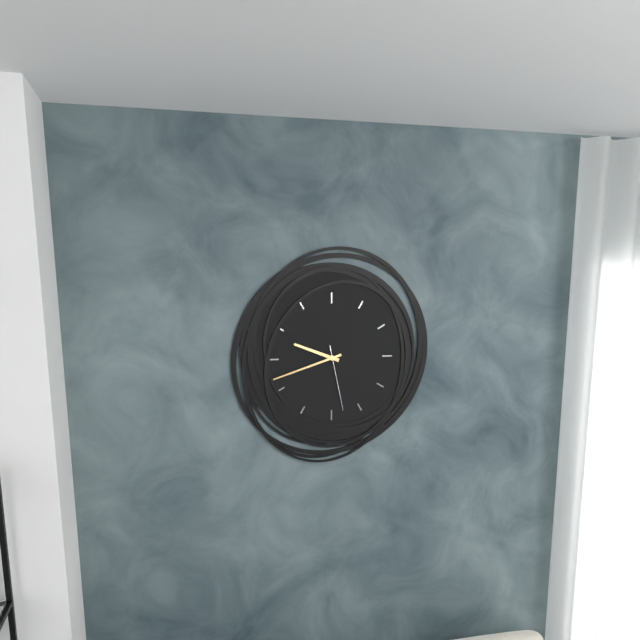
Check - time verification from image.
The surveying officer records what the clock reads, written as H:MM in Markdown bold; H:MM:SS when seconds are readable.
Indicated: **9:42:28**
